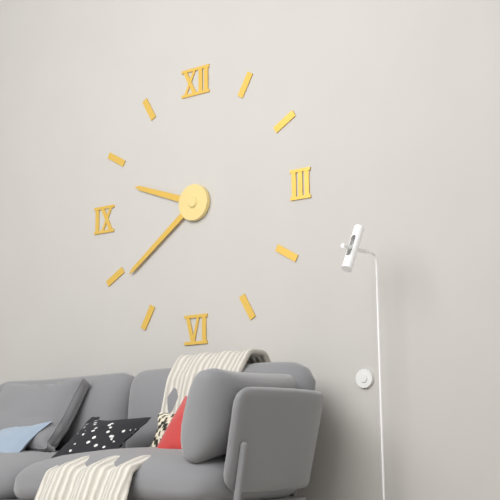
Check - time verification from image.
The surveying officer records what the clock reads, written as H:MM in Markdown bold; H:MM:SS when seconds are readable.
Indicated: **9:39**
